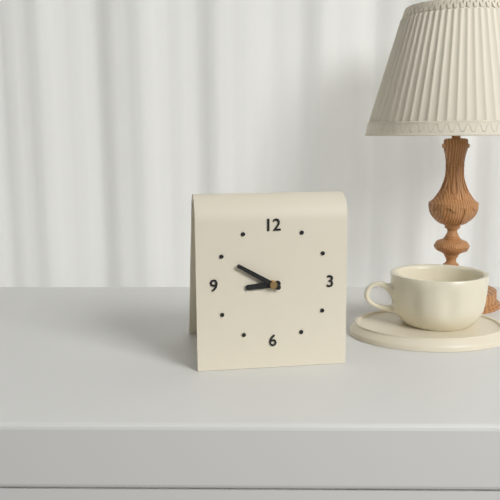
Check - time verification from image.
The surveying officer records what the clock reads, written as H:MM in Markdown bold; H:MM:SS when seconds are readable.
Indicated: **8:50**
